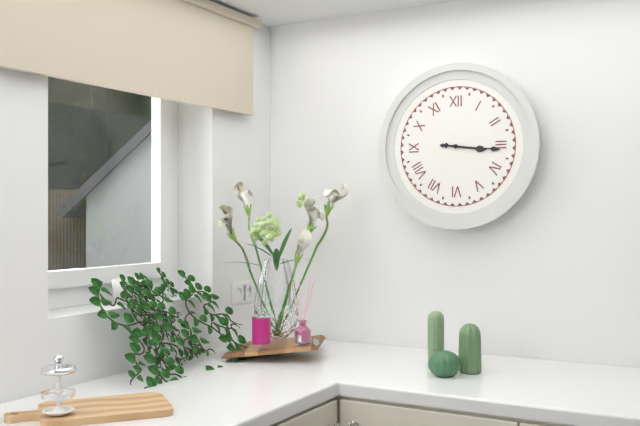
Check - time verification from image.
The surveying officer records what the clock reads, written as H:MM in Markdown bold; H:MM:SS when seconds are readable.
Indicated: **3:16**
